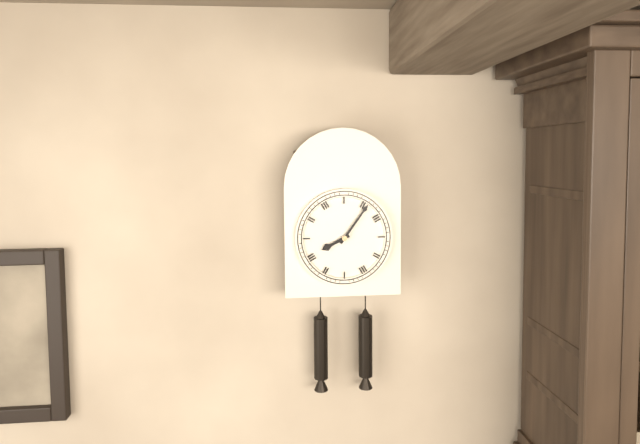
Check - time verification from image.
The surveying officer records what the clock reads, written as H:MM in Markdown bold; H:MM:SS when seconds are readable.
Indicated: **8:06**
